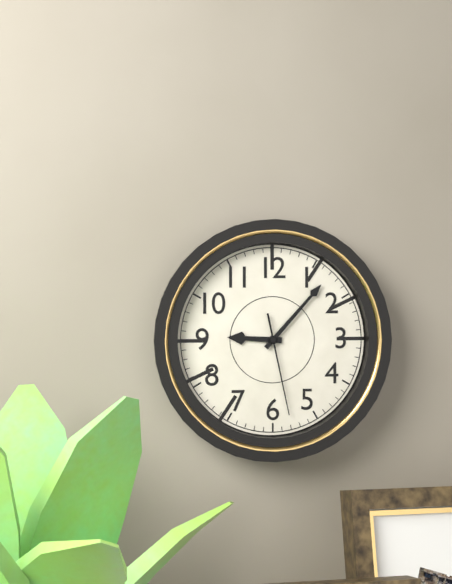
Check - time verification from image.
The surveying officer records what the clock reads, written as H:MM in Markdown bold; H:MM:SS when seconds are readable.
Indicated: **9:07:28**
